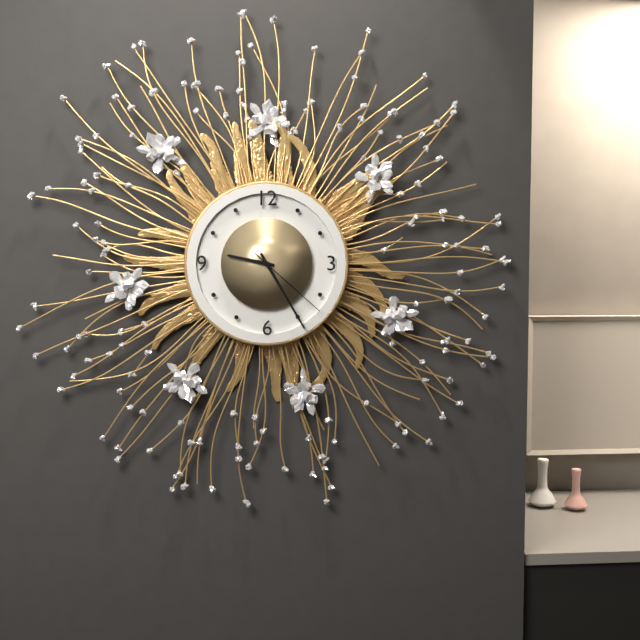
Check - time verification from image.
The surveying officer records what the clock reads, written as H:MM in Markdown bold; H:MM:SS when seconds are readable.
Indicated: **9:25:22**
